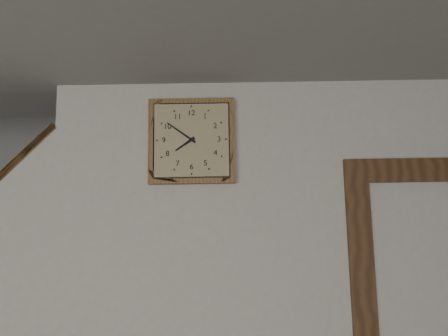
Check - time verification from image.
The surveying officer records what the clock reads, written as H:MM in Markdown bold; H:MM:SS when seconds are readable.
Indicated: **7:51**
